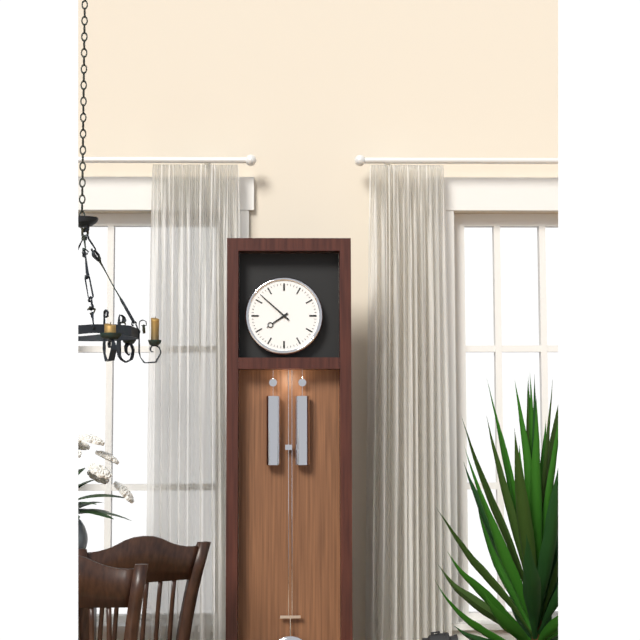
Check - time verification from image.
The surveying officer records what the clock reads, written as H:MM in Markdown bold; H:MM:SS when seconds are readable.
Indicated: **7:52**
